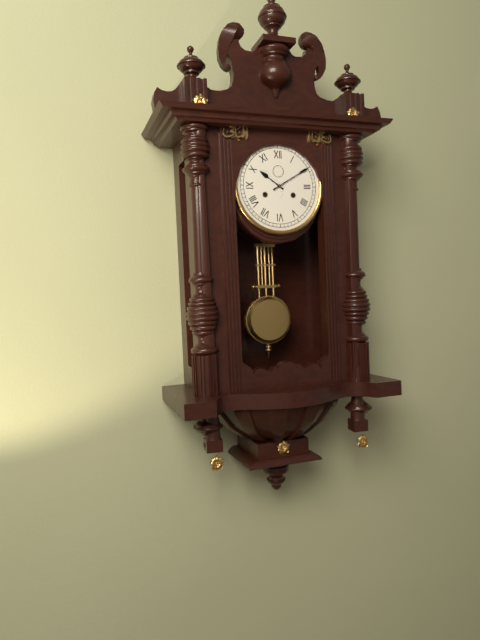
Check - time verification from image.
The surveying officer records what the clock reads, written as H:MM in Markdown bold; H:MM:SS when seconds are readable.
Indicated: **10:10**
